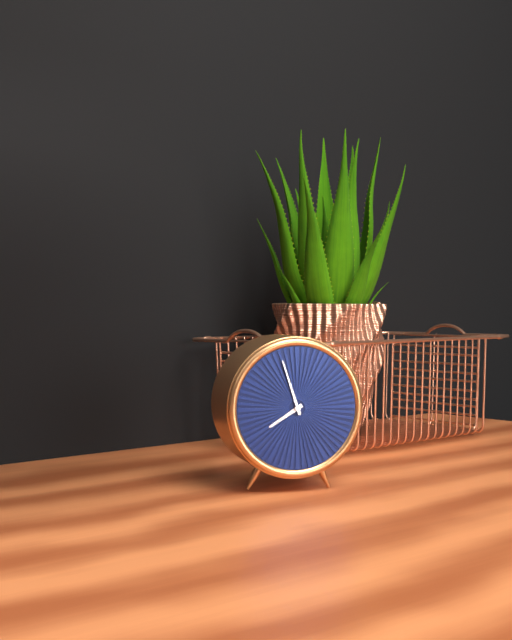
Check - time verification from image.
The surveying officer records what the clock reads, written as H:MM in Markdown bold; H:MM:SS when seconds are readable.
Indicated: **7:57**
